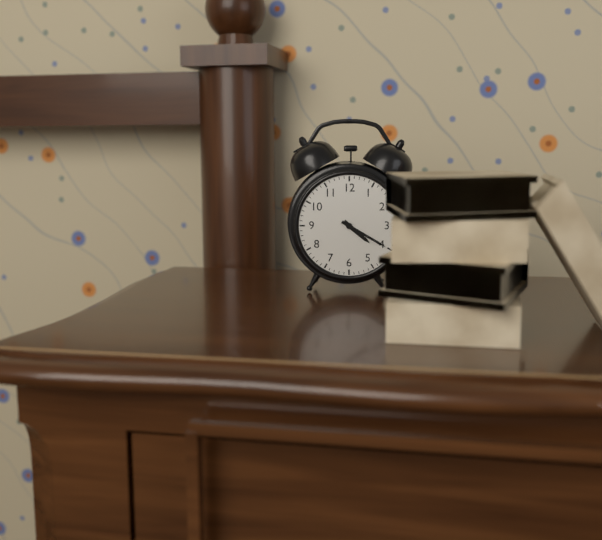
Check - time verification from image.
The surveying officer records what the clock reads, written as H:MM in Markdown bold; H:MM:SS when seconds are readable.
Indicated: **4:20**
